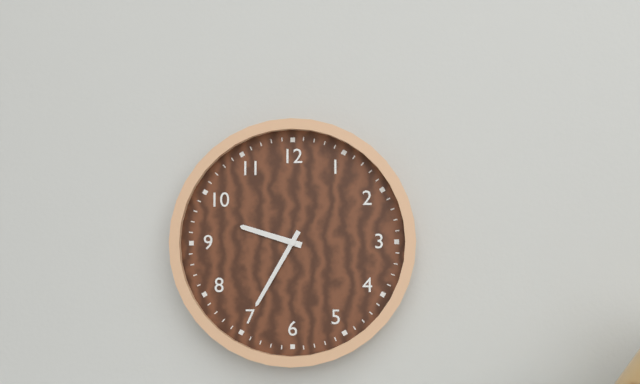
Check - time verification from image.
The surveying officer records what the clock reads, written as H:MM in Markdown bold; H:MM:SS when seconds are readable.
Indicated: **9:35**
